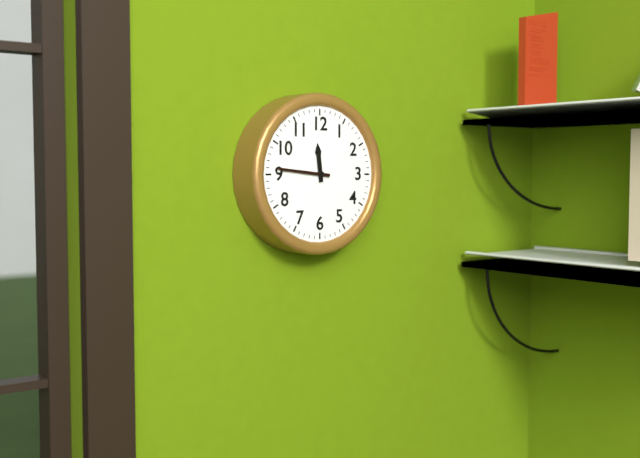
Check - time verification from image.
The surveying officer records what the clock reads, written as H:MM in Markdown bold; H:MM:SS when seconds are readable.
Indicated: **11:46**
